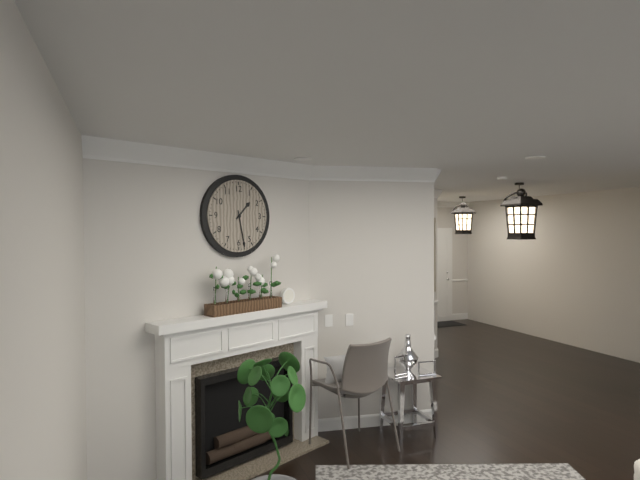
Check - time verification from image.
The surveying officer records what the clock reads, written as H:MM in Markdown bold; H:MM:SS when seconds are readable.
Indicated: **1:28**
